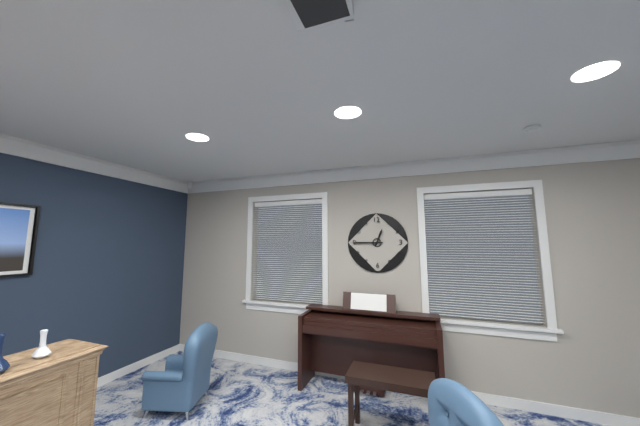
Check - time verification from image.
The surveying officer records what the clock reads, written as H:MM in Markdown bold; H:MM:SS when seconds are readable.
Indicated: **12:45**
